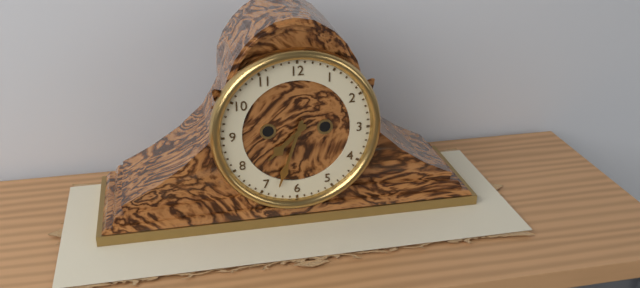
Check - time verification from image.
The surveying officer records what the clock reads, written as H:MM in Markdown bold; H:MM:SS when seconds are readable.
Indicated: **7:33**
